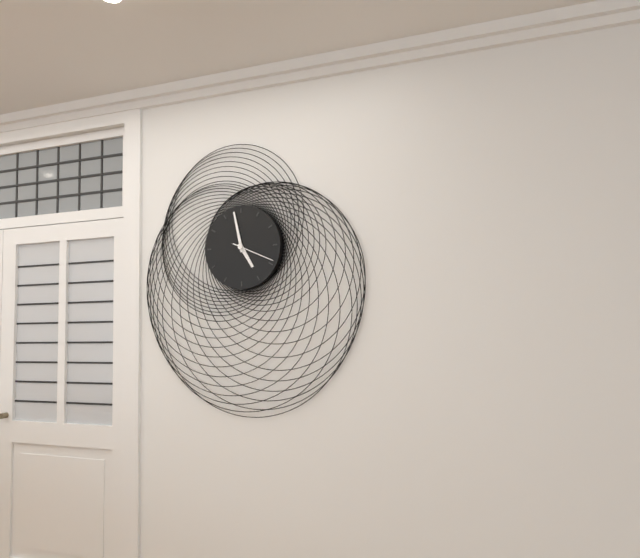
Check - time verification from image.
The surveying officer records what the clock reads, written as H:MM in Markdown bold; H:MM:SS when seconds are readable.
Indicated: **4:58**
